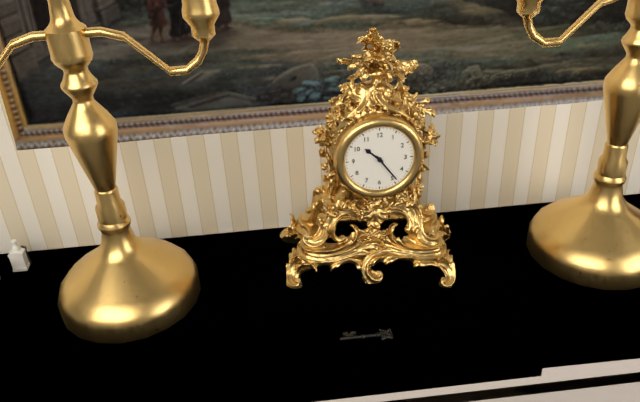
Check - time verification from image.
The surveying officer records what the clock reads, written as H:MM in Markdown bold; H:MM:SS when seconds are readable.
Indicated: **10:24**
